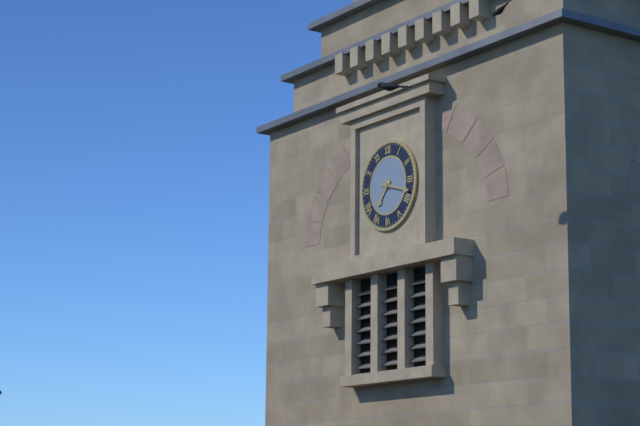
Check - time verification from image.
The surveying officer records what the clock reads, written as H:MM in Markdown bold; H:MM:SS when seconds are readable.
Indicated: **7:18**
